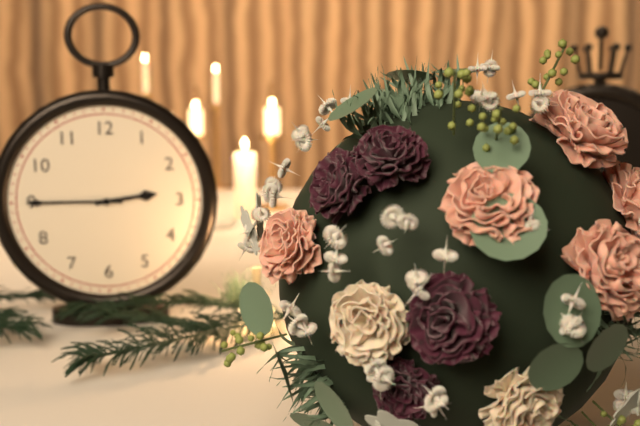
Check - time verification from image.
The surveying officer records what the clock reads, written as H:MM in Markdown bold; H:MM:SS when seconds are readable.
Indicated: **2:45**
